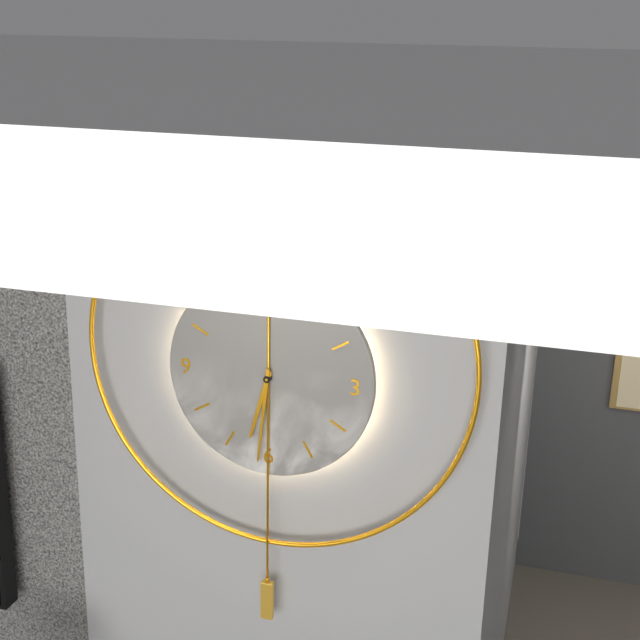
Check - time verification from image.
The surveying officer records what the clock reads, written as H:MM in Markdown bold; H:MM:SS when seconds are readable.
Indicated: **6:31**
